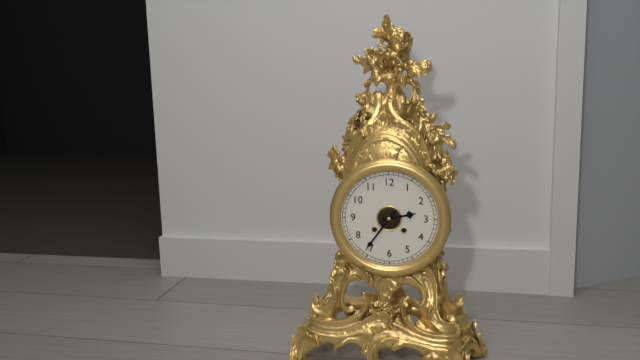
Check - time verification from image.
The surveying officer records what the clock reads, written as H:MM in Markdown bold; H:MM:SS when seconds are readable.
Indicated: **2:36**
